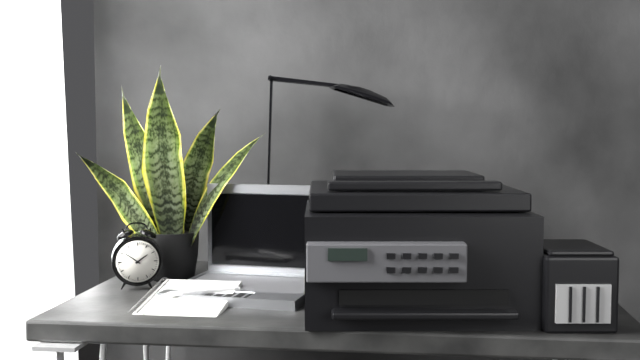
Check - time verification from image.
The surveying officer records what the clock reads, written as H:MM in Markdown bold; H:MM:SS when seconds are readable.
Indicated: **1:51**
